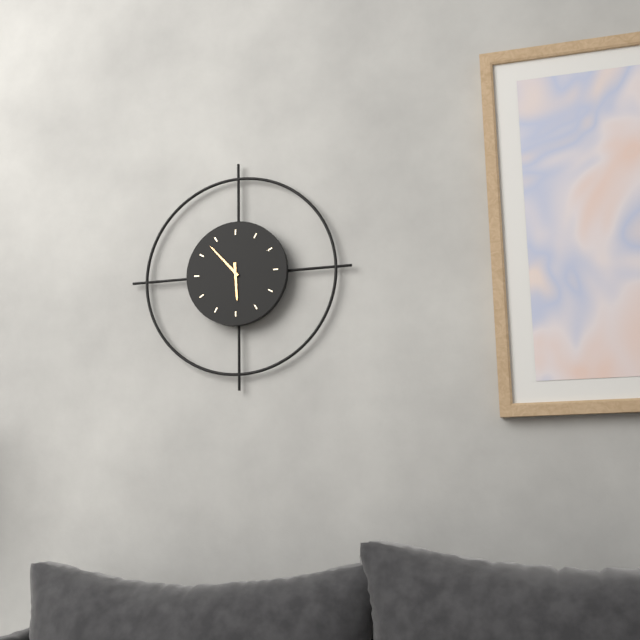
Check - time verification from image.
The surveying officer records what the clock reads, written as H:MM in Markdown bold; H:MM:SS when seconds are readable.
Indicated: **5:53**
